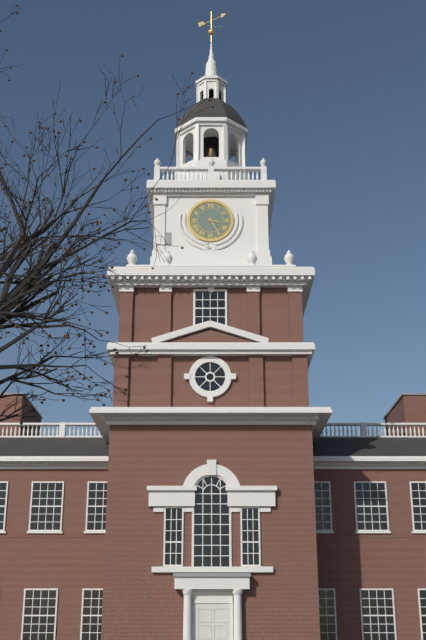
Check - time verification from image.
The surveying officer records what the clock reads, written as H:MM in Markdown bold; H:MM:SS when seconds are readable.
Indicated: **3:25**
